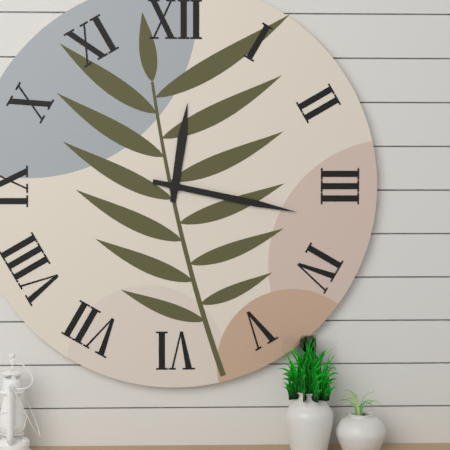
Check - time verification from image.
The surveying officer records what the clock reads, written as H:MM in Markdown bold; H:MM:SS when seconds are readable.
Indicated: **12:17**
